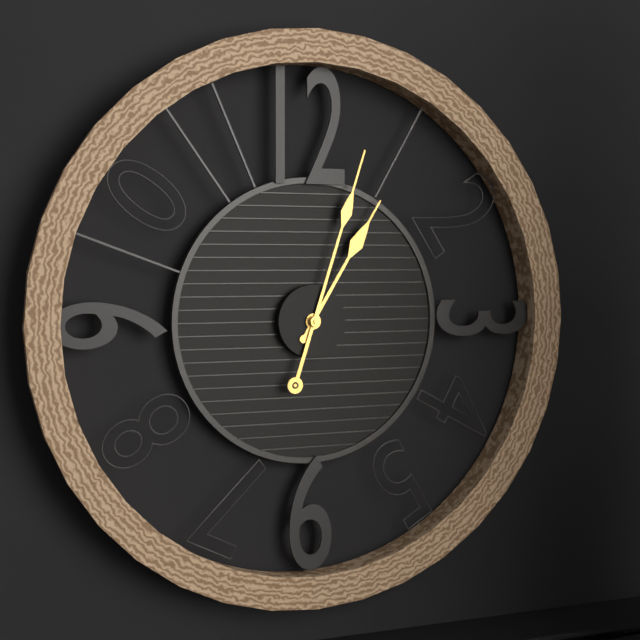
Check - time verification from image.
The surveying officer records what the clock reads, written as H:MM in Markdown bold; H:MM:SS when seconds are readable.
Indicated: **1:03**
